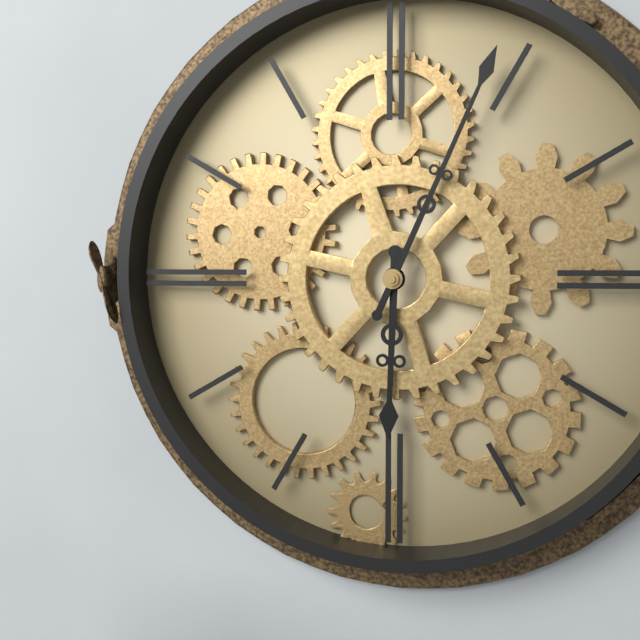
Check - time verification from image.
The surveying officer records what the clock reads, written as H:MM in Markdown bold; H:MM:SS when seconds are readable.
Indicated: **6:04**
